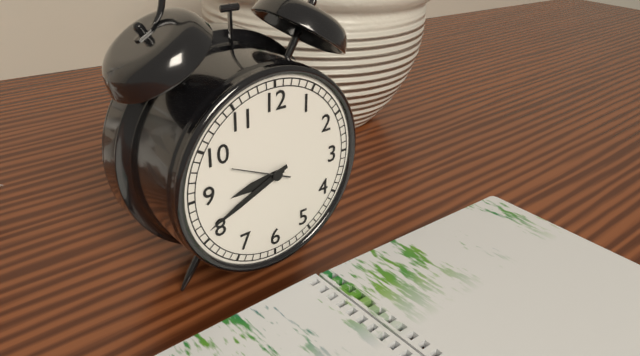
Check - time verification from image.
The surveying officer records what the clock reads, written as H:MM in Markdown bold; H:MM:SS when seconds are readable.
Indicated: **8:41:49**
